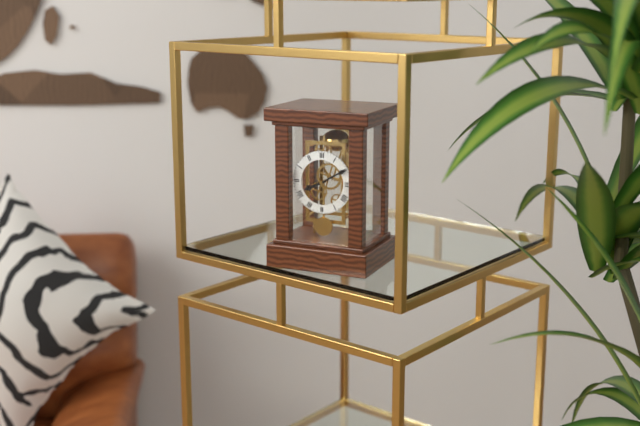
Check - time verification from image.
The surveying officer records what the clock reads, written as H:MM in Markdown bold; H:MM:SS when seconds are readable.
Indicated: **8:10**
